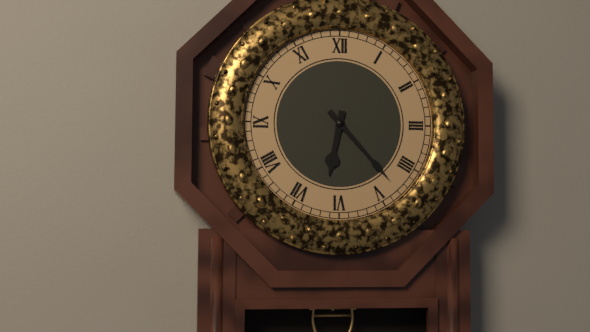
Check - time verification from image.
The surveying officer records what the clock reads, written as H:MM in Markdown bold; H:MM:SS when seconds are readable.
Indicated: **6:23**
